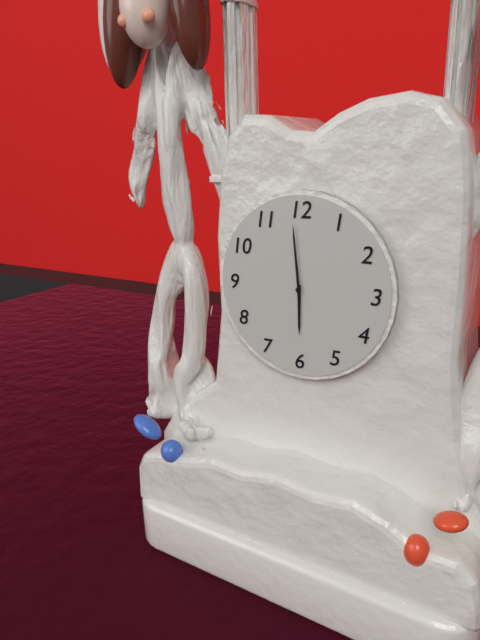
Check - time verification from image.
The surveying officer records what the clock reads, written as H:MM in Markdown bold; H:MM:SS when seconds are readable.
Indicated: **5:59**
